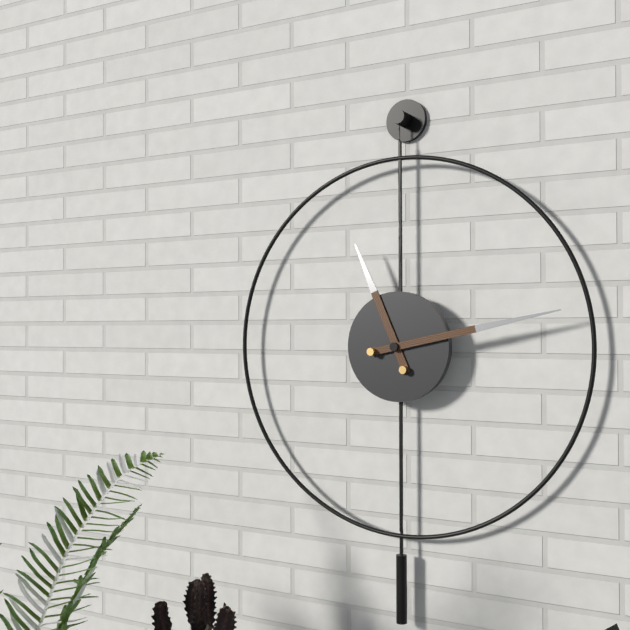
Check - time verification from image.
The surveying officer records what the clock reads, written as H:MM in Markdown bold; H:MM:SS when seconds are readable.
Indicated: **11:13**
